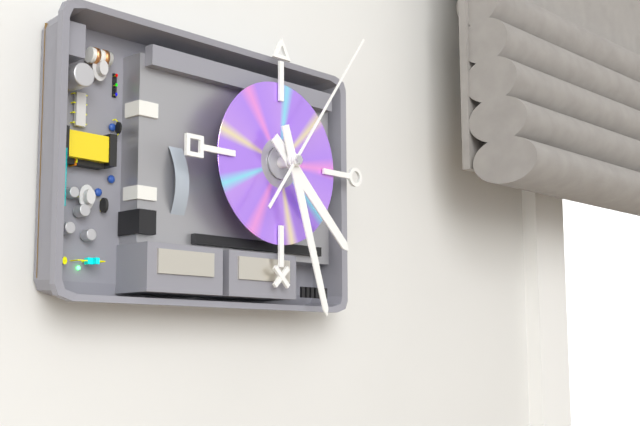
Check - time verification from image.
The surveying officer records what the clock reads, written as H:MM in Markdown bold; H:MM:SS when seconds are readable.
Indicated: **4:27:06**
